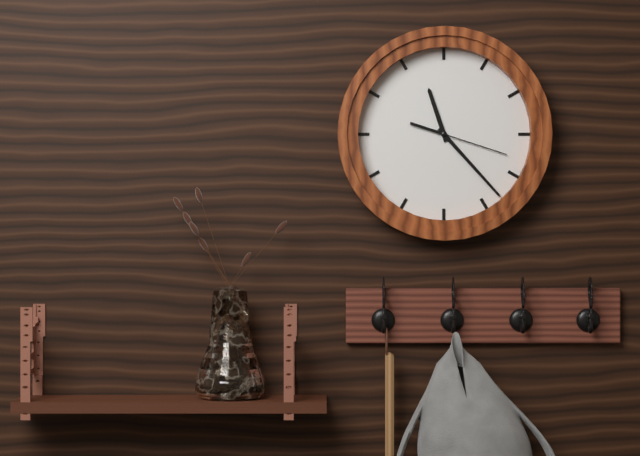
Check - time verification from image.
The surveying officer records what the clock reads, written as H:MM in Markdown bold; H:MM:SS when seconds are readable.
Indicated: **11:23:18**
